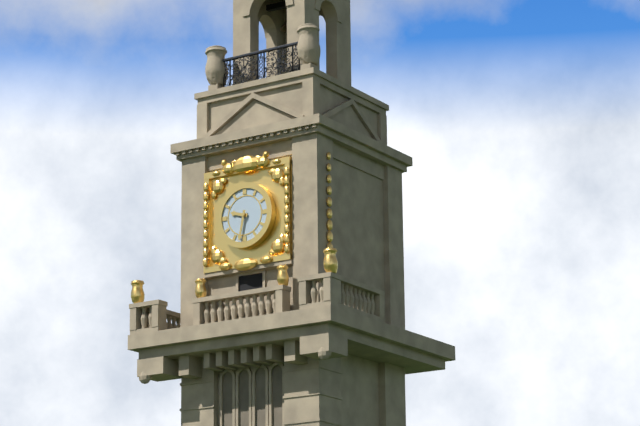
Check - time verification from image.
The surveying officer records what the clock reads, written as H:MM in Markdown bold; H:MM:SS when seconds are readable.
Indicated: **9:32**
